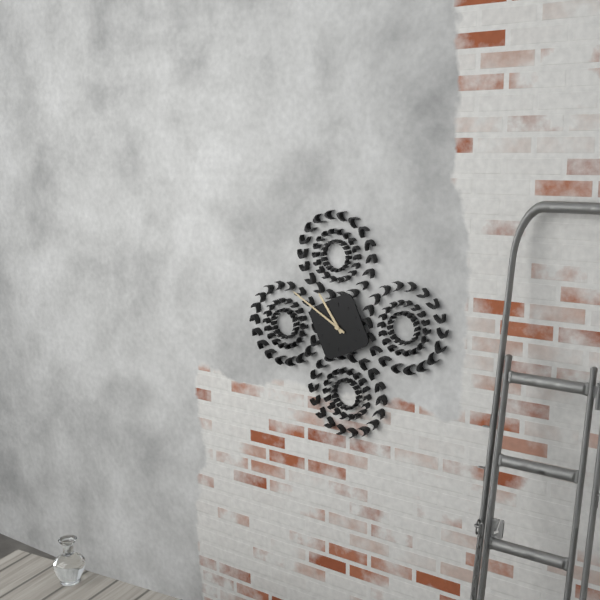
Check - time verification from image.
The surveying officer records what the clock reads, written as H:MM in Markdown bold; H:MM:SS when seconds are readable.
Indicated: **10:50**
